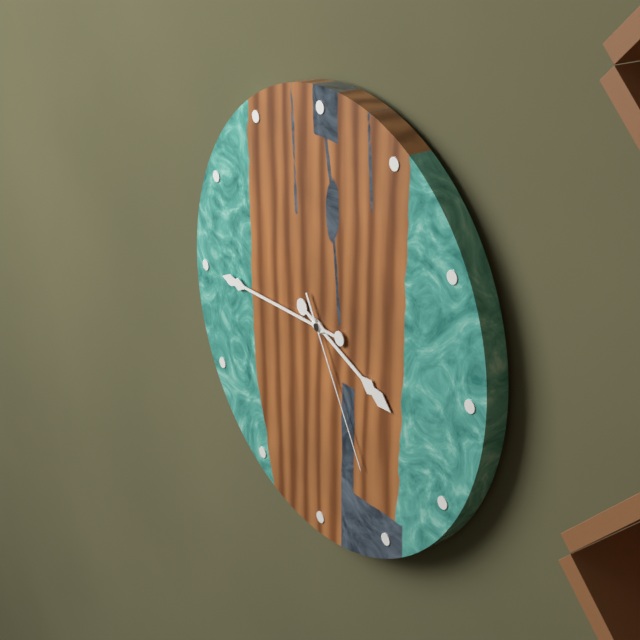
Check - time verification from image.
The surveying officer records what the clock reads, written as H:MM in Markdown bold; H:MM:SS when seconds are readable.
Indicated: **3:45:25**
